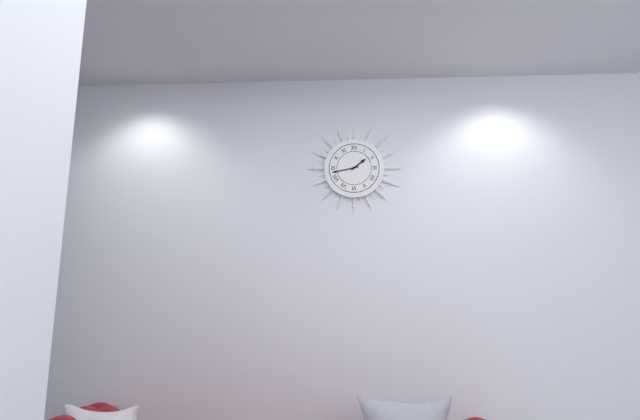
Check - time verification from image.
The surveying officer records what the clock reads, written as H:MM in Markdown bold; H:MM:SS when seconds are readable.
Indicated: **1:43**
